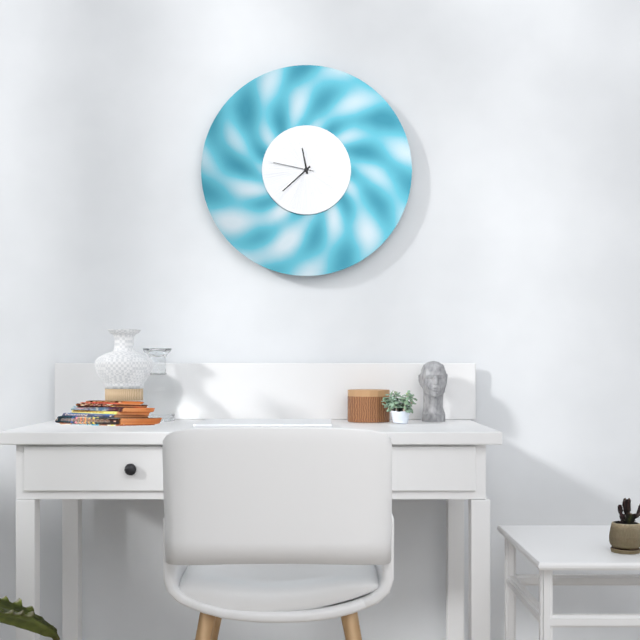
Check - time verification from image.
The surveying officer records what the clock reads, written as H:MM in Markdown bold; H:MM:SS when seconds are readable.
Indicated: **11:38**
